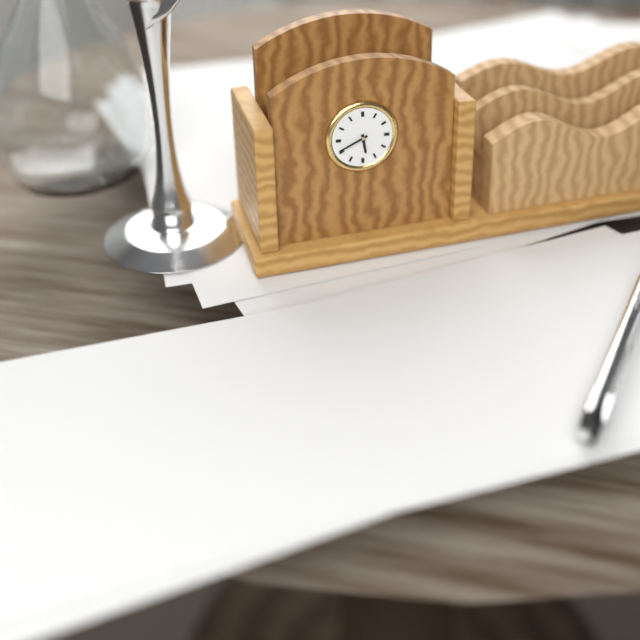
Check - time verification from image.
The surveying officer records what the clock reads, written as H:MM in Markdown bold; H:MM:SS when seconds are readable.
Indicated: **5:41**
